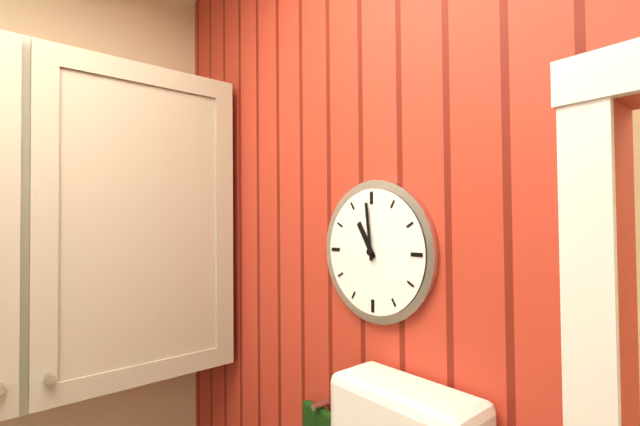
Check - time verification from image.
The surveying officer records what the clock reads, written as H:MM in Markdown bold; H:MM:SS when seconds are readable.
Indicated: **10:59**
